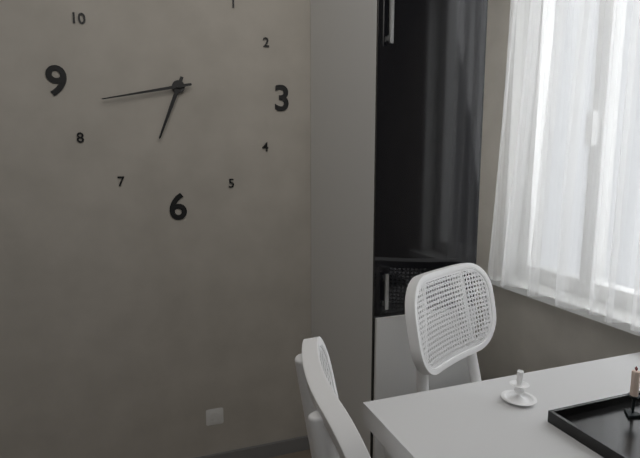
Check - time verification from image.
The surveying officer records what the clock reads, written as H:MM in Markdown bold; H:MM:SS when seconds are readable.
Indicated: **6:43**
